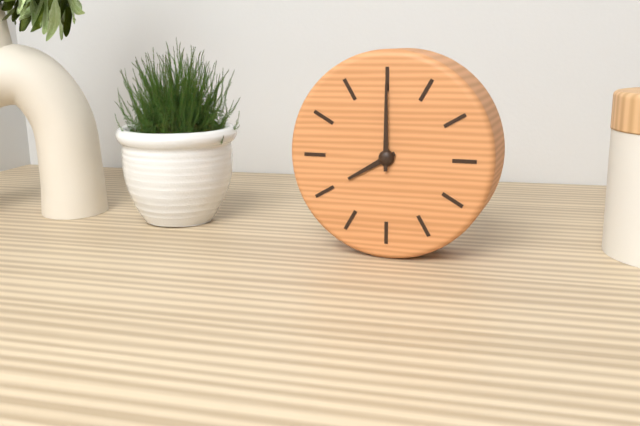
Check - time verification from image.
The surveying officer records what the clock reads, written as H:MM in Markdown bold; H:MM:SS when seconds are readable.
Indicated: **8:00**
